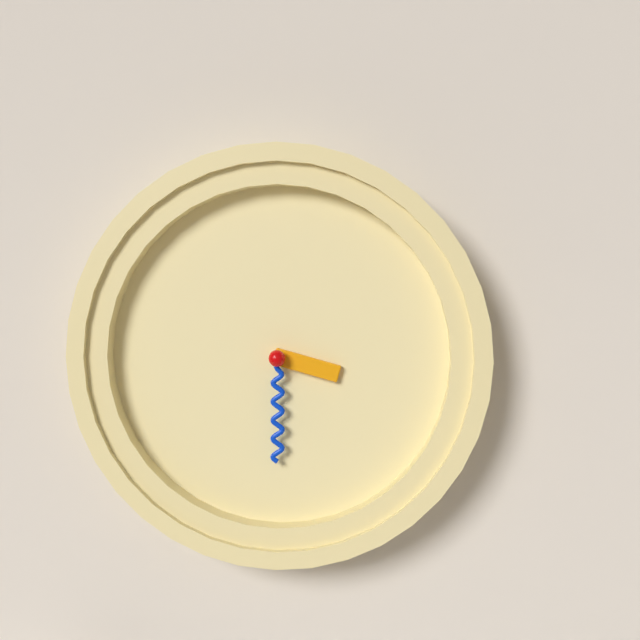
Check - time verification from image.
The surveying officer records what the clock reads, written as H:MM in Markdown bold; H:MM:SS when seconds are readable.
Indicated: **3:30**
